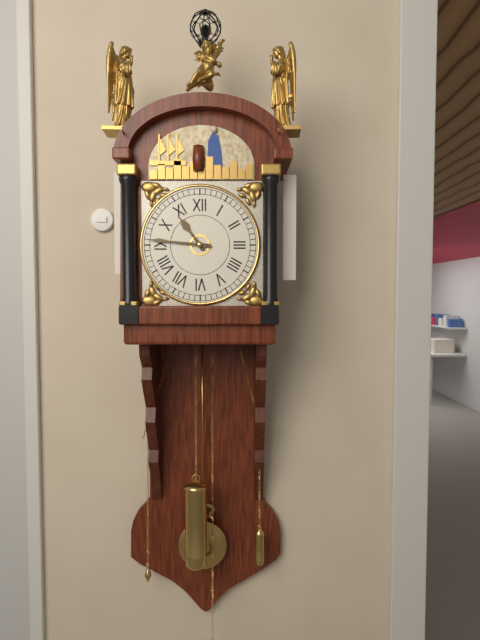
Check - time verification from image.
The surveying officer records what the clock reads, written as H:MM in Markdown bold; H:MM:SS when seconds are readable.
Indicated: **10:46**
